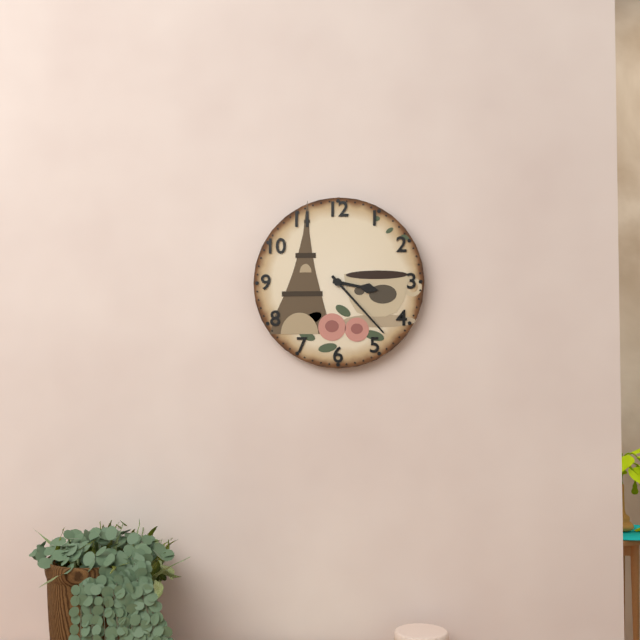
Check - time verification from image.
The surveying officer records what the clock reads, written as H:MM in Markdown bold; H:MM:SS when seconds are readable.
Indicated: **3:23**
